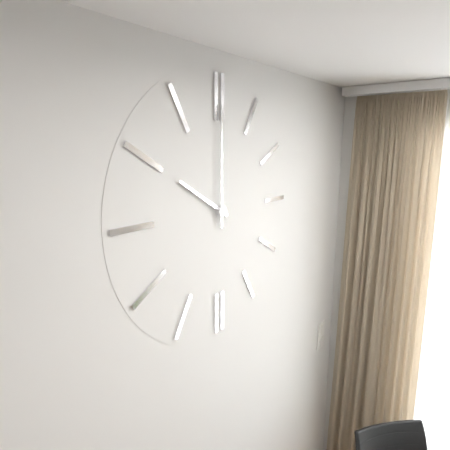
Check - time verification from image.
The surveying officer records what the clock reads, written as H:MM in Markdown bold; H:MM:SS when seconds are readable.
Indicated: **10:00**
